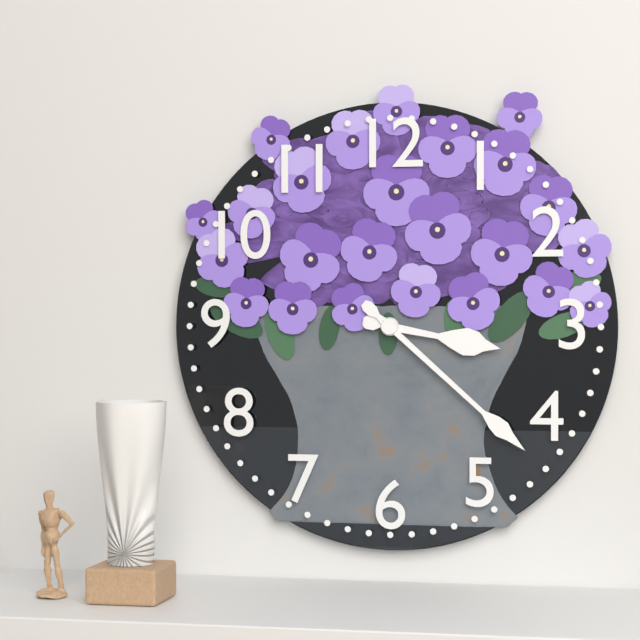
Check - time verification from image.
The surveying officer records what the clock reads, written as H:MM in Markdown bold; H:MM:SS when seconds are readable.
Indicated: **3:22**
